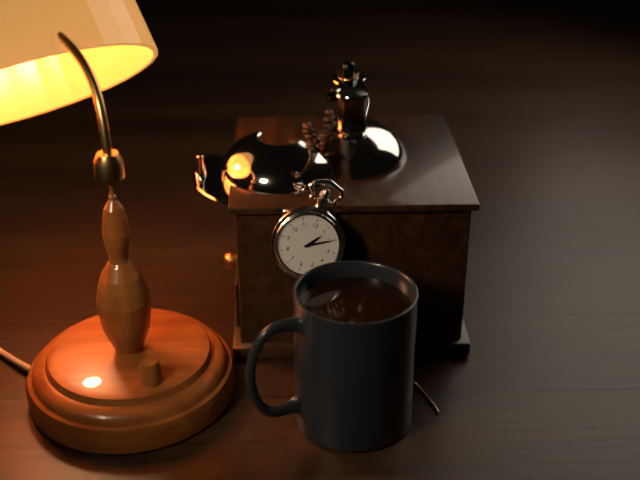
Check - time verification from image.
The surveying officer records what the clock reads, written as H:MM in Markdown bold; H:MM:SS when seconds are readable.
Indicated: **1:10**
